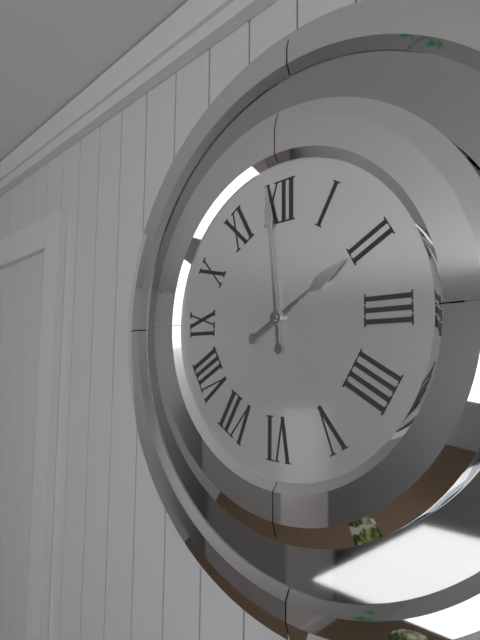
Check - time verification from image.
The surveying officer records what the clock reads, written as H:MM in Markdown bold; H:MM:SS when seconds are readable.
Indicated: **1:59**
